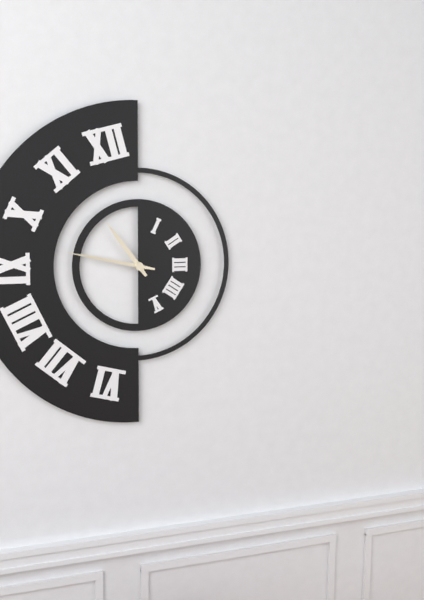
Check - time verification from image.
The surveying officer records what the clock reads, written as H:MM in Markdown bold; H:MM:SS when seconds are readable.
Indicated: **10:47**
